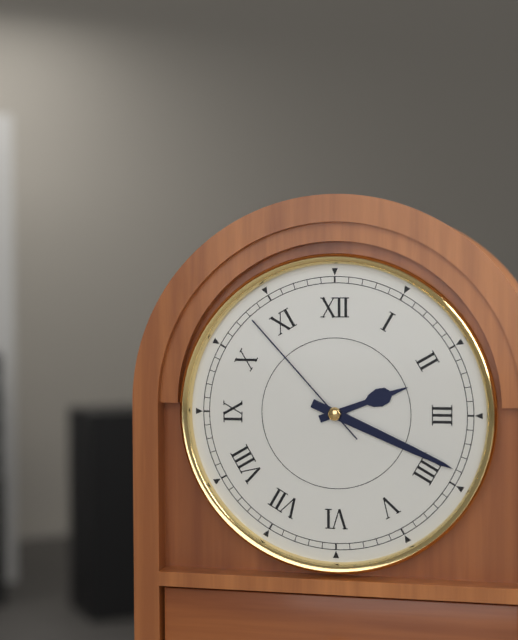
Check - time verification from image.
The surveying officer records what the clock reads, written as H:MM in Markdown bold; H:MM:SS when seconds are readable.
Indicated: **2:19:53**
